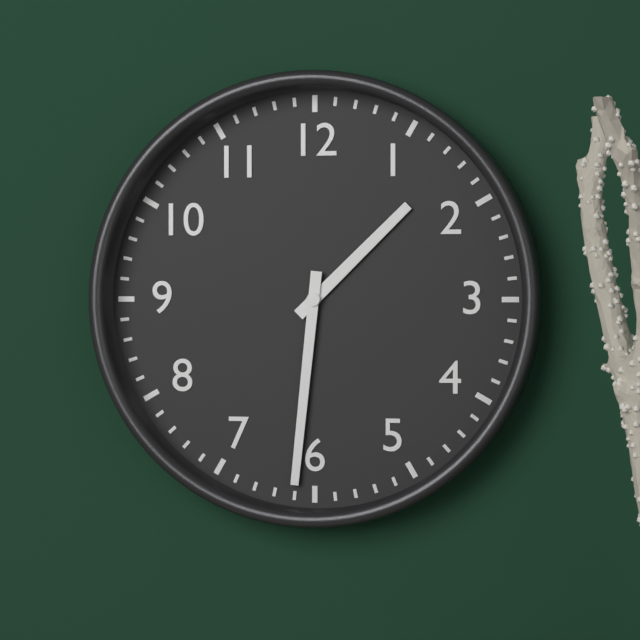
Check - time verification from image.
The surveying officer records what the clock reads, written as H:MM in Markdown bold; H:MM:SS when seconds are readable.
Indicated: **1:31**
